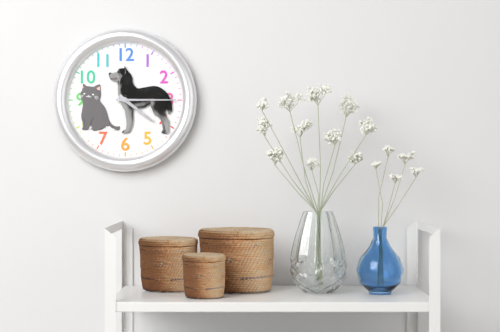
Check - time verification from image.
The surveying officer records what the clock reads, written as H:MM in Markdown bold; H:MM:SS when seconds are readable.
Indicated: **4:15**
